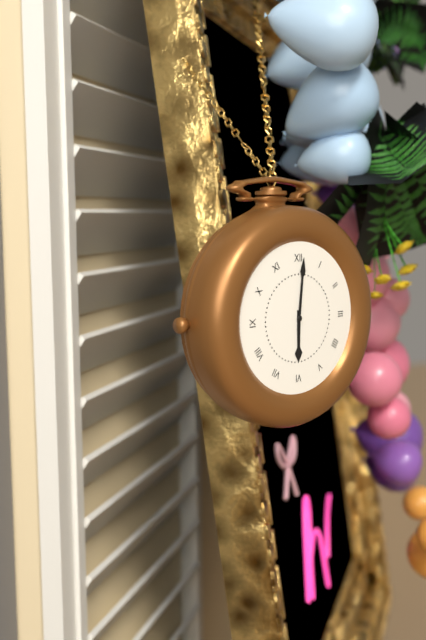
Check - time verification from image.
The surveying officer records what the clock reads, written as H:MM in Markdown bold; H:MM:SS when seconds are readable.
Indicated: **6:01**
